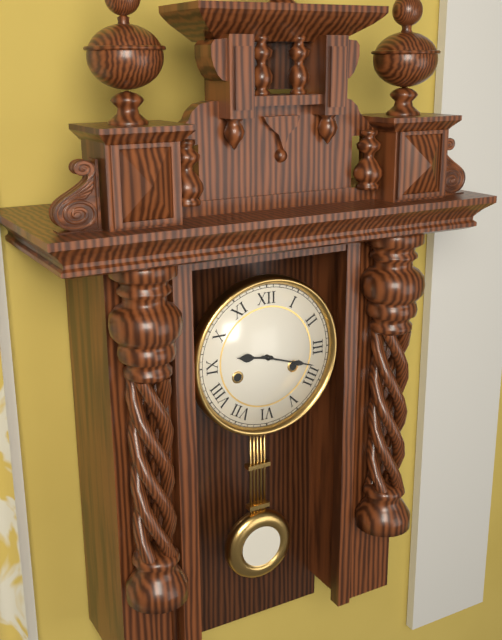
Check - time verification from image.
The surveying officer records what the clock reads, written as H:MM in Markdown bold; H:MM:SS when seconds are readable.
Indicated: **9:18**
